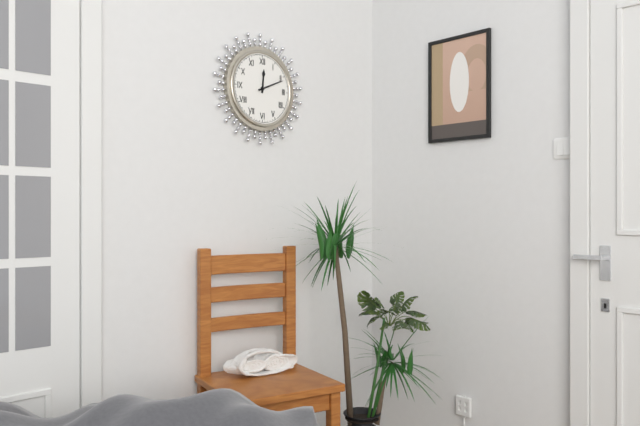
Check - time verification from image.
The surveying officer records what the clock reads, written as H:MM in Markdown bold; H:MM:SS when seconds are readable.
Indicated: **12:11**
